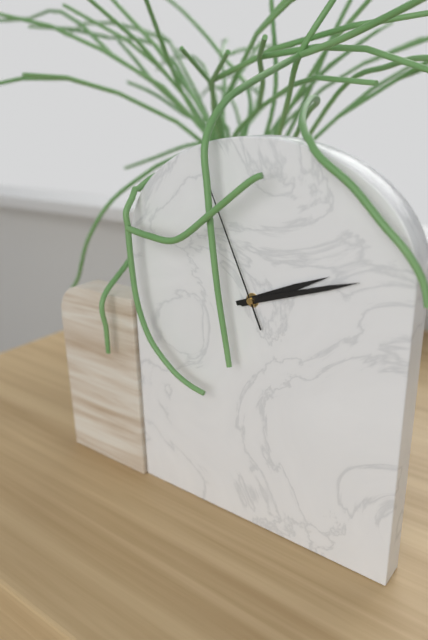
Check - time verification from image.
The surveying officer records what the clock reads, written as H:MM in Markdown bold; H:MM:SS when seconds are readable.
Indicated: **2:12:56**
